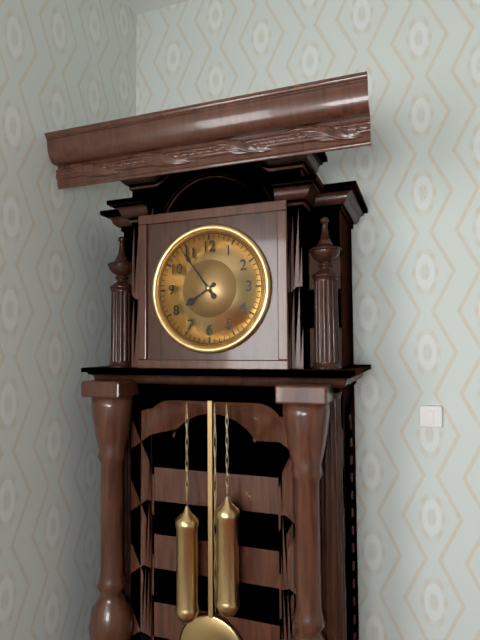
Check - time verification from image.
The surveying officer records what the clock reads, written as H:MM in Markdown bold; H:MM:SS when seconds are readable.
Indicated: **7:54**
